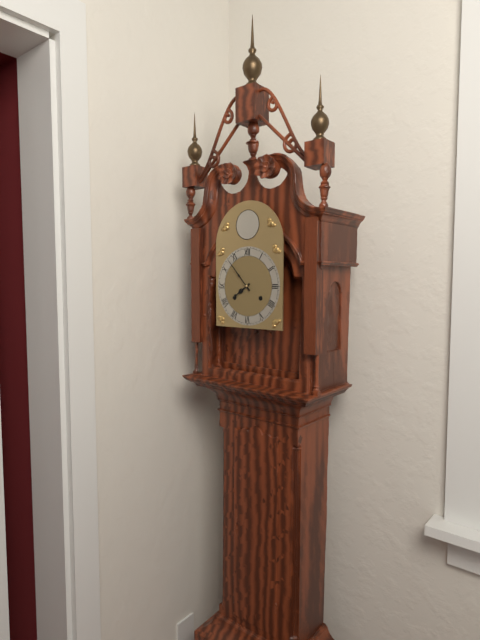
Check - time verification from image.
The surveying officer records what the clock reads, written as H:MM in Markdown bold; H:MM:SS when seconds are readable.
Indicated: **7:53**
